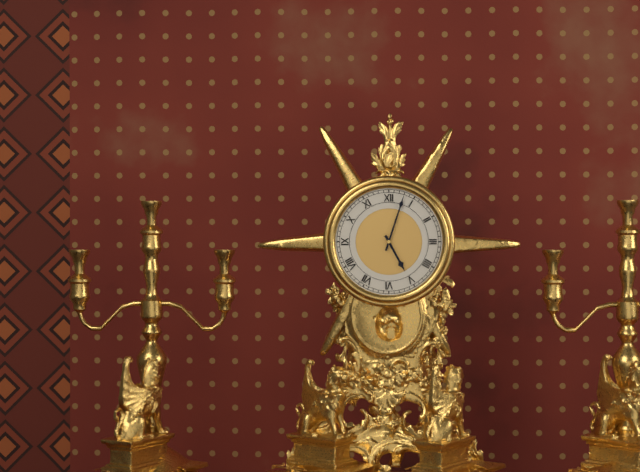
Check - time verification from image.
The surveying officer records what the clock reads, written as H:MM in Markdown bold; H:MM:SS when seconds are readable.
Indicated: **5:03**
